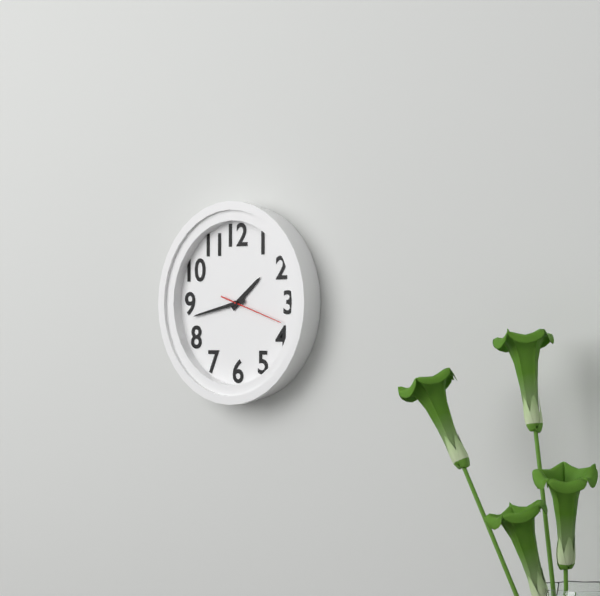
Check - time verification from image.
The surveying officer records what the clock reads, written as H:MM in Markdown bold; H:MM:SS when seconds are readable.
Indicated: **1:43:18**
